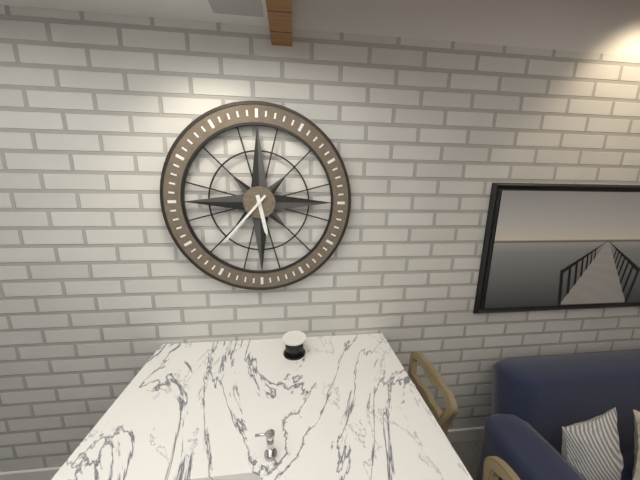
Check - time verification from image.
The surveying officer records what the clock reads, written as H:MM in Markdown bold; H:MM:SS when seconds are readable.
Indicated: **5:37**
